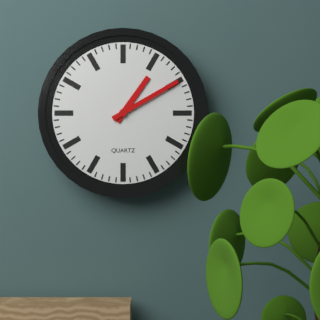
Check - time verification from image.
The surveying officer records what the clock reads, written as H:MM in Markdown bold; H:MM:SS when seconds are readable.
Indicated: **1:10**
